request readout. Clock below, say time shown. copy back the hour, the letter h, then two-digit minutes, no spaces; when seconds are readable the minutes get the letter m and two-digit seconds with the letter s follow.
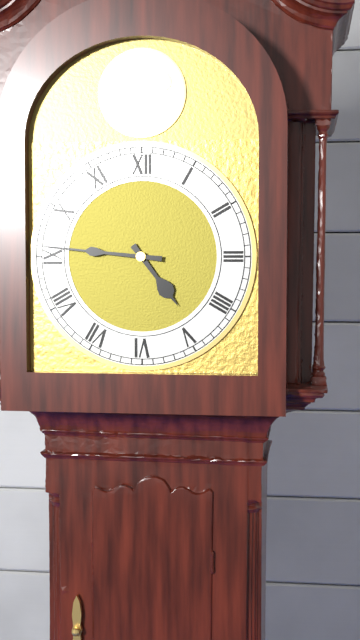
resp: 4h46
